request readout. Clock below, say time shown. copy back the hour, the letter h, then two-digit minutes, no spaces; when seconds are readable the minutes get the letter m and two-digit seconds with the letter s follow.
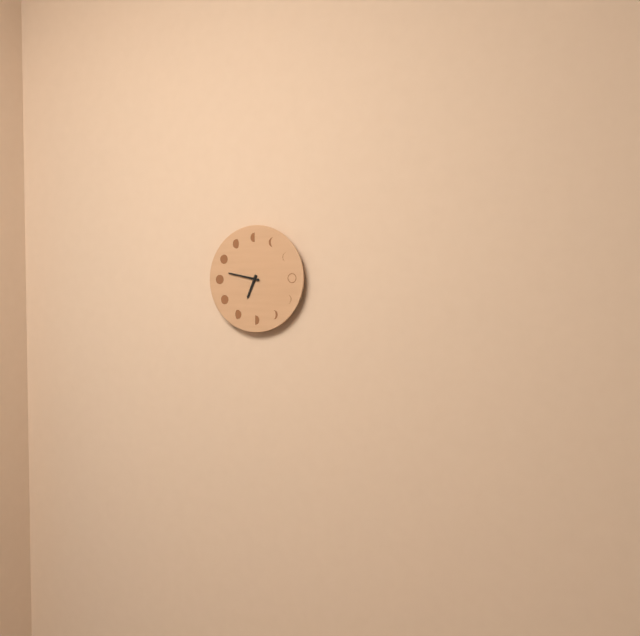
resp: 6h47
